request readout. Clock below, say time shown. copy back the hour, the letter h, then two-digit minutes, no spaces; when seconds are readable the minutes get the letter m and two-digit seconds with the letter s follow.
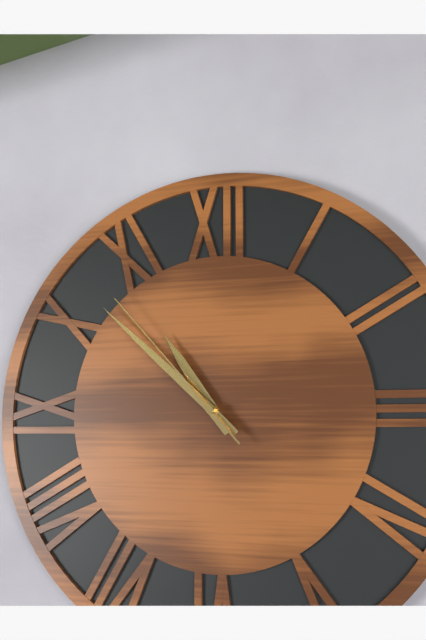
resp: 10h52m53s
